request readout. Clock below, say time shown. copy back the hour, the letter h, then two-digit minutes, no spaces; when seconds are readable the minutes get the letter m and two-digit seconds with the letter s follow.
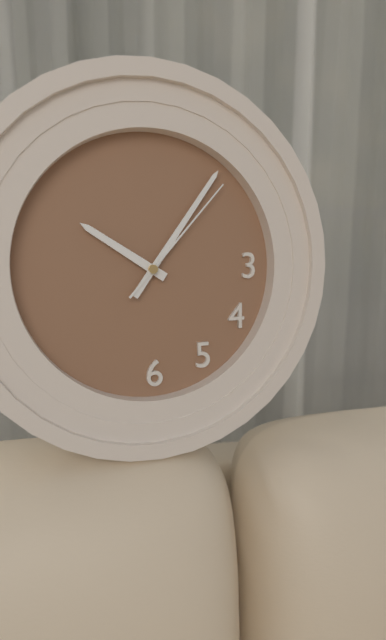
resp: 10h06m07s
